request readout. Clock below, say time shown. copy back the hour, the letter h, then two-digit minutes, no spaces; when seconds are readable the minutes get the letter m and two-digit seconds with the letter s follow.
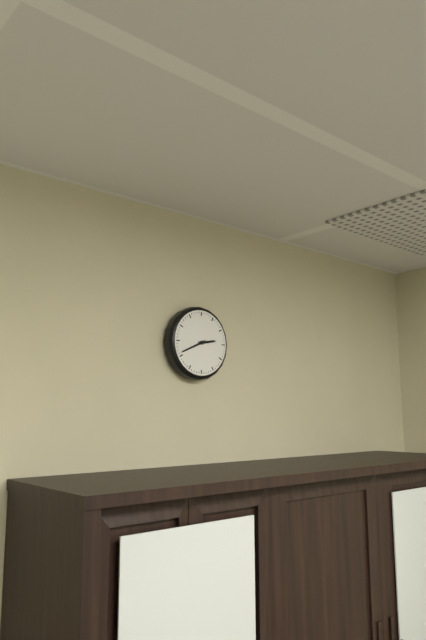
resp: 2h41
